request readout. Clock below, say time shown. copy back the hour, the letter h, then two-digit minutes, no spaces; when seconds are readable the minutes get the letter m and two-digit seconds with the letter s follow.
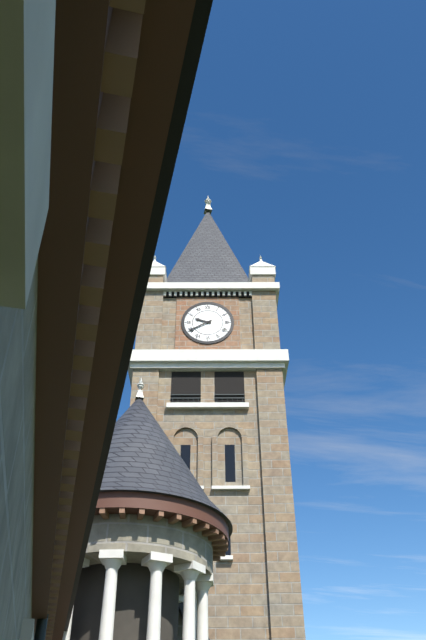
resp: 9h40
